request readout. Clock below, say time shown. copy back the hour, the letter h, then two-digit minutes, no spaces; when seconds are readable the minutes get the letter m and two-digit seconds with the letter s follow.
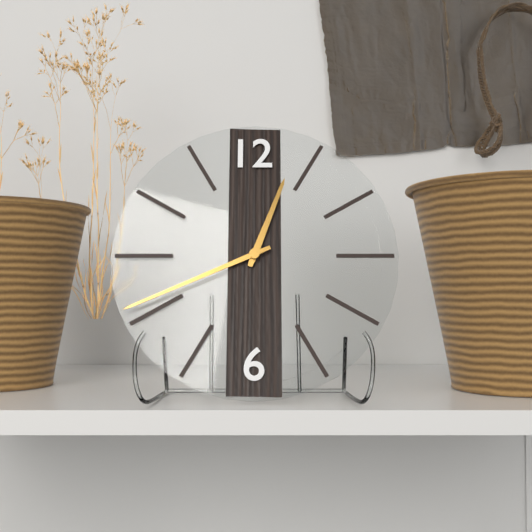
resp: 12h41
